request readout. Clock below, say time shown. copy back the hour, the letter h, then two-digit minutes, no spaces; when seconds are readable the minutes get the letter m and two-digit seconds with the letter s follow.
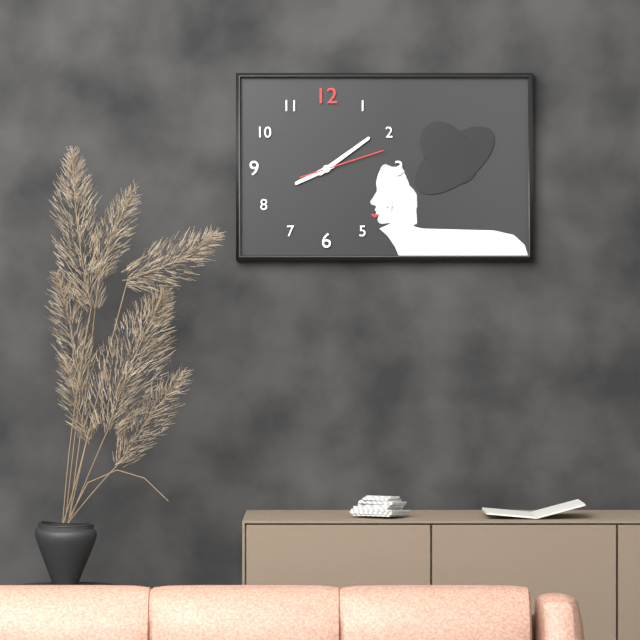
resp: 8h09m12s
